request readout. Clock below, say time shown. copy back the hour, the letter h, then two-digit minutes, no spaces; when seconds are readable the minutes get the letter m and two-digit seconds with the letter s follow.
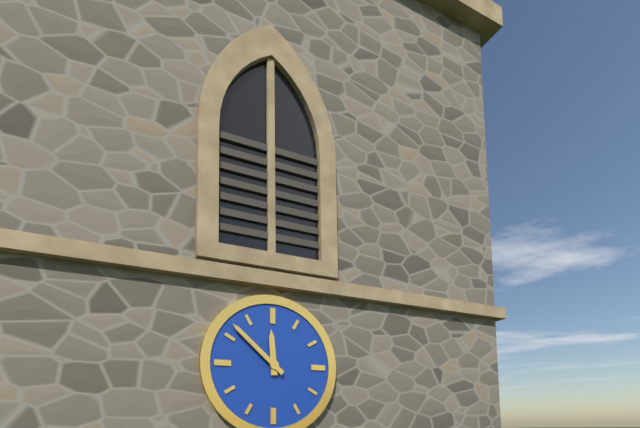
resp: 11h52
